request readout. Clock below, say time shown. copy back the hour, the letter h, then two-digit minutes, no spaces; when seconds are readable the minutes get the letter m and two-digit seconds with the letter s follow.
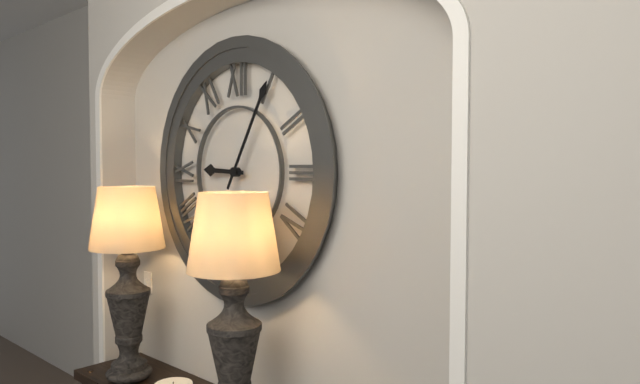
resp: 9h05
